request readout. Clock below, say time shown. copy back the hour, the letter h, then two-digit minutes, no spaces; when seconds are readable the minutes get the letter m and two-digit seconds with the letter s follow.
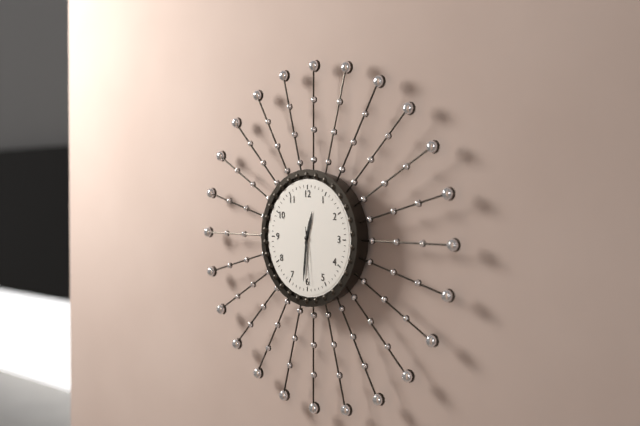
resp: 12h31m29s
